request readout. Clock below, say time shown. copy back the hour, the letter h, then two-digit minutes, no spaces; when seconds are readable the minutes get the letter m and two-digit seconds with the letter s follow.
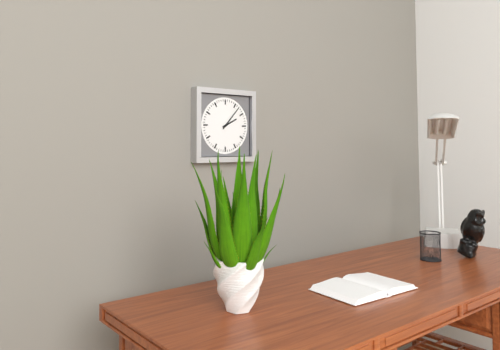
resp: 2h07
